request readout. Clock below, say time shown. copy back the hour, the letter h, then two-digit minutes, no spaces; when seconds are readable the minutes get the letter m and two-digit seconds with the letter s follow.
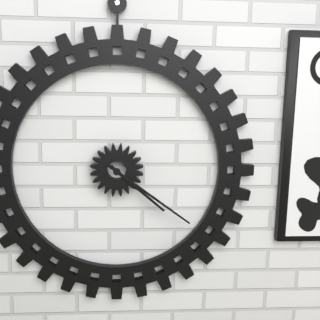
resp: 4h21
